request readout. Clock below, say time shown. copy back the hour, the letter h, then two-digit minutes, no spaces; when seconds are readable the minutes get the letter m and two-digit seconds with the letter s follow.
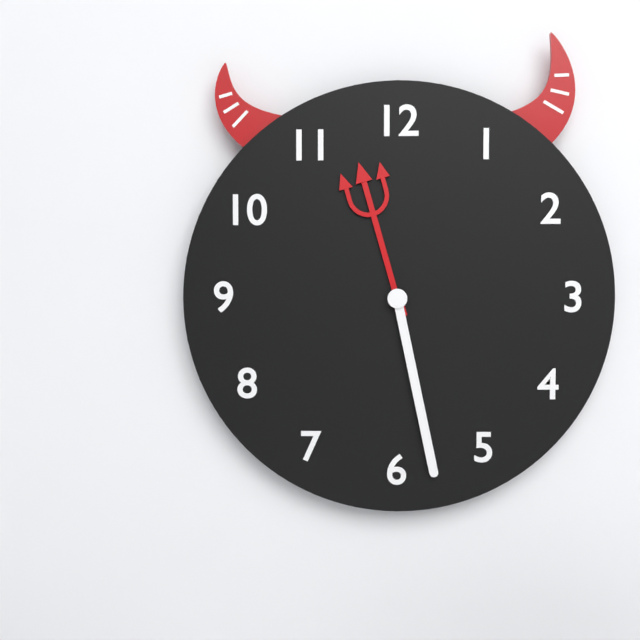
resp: 11h28
